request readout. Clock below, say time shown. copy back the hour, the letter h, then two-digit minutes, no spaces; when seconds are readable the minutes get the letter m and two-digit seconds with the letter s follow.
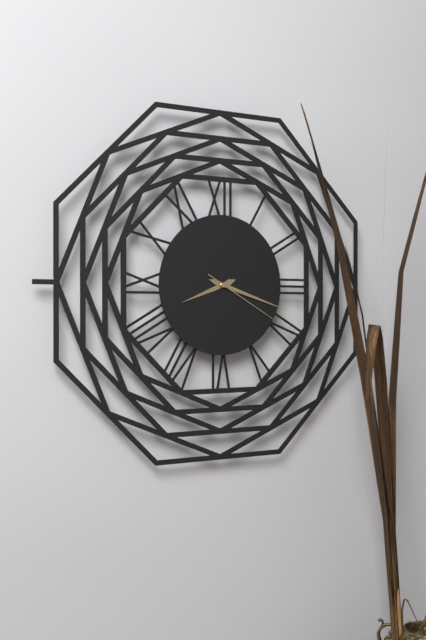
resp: 8h18m20s
